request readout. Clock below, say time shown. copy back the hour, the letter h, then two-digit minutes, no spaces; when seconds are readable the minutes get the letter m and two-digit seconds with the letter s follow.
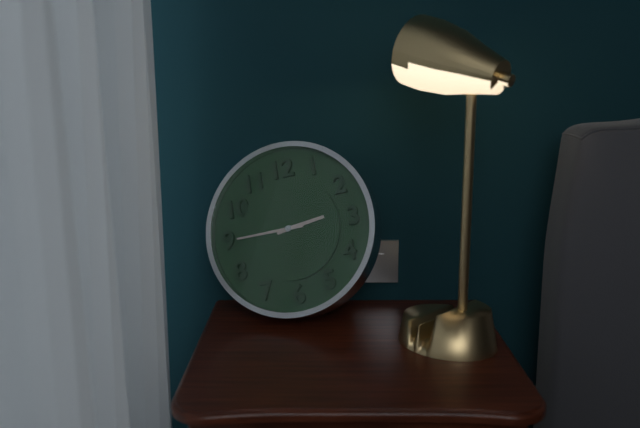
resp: 2h45
